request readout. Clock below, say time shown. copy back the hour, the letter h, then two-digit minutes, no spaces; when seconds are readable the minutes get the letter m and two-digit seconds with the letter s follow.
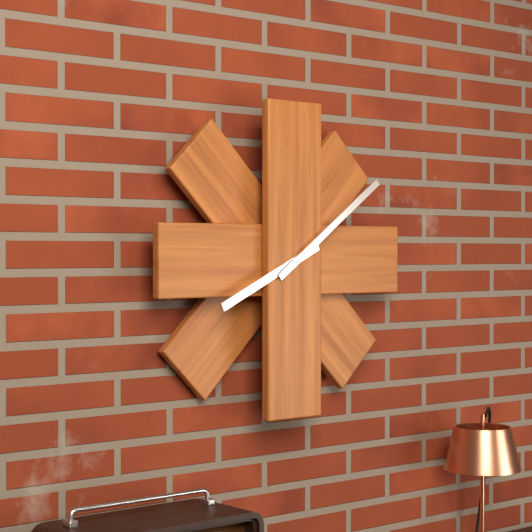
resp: 8h09
